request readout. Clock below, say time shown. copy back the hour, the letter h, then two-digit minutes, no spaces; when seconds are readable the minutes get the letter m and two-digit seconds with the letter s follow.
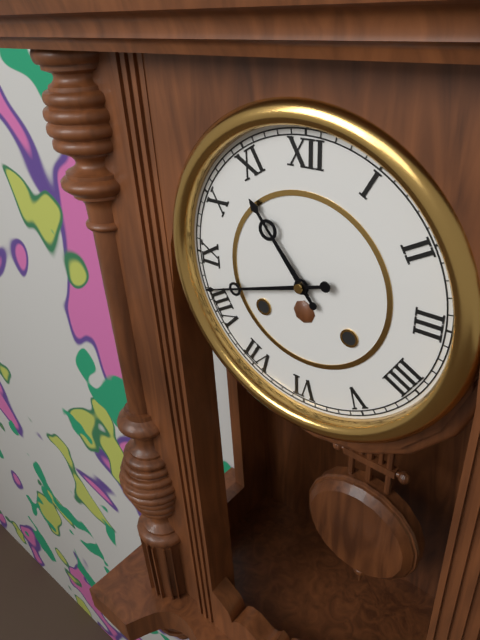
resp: 10h42
